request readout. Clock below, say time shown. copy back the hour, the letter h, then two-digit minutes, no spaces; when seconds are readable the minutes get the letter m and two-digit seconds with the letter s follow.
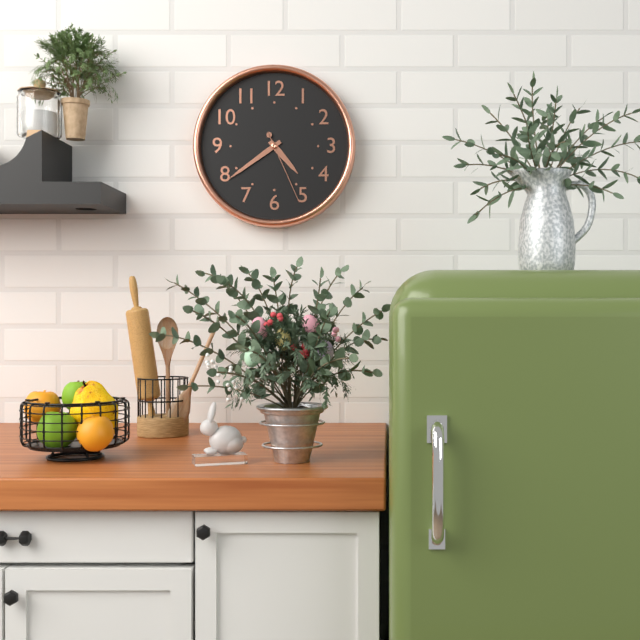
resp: 4h39m26s
